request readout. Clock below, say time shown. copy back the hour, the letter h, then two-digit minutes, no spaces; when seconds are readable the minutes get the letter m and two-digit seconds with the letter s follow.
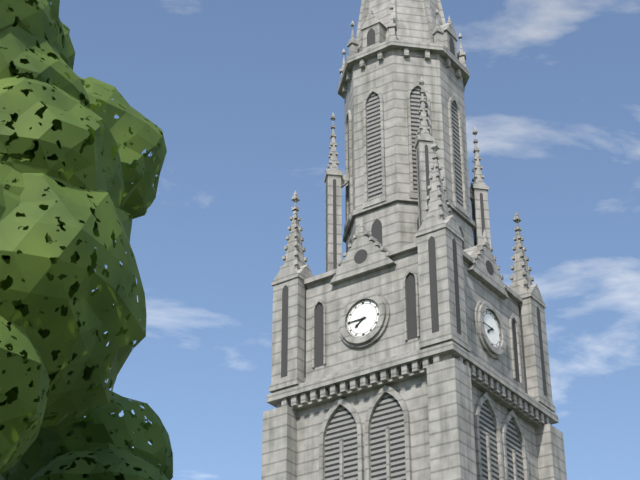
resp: 7h45
